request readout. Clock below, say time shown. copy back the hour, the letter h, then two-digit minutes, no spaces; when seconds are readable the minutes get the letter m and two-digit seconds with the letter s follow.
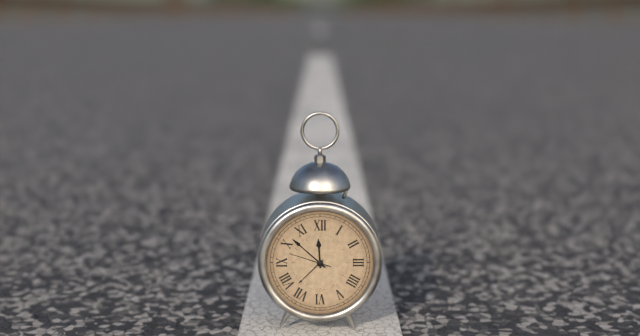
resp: 11h52
